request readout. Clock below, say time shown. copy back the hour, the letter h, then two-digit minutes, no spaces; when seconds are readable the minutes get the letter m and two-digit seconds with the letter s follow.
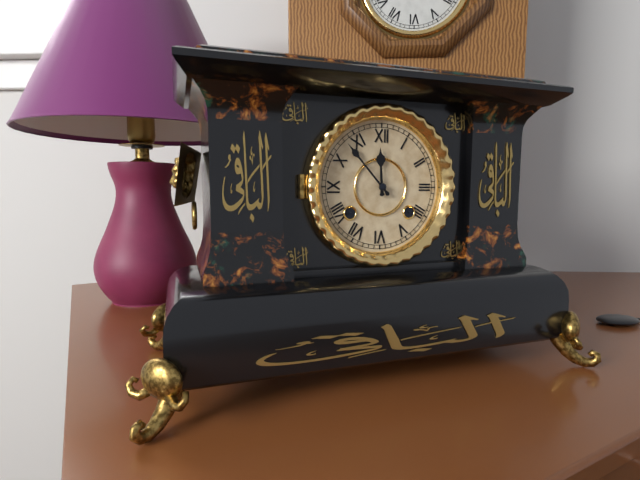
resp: 11h53
